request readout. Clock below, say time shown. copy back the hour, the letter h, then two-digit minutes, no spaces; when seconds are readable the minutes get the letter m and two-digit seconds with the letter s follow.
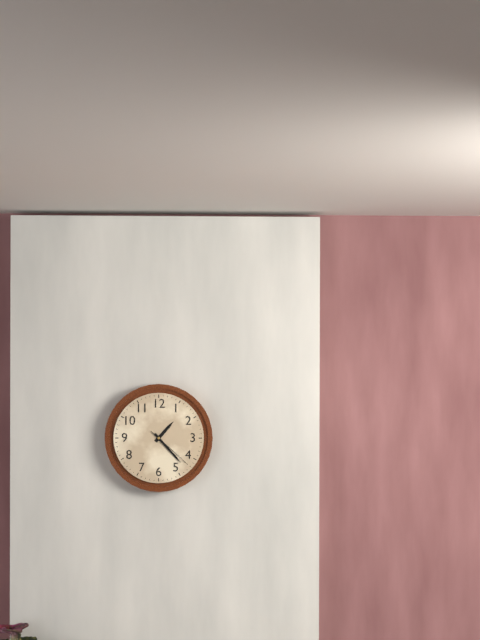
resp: 1h23
